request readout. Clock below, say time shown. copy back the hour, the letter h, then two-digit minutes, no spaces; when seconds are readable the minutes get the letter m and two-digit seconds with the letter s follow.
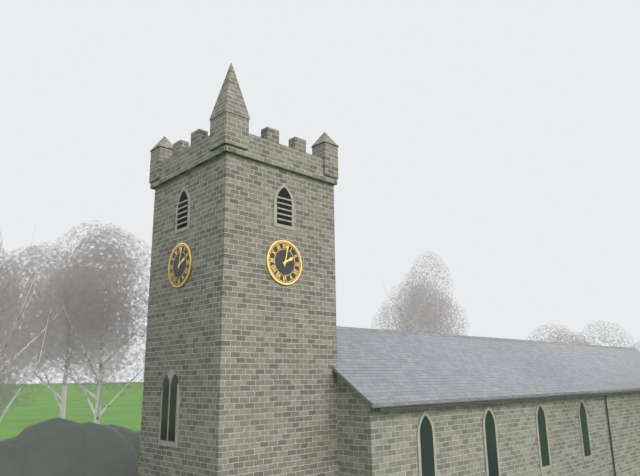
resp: 2h02
